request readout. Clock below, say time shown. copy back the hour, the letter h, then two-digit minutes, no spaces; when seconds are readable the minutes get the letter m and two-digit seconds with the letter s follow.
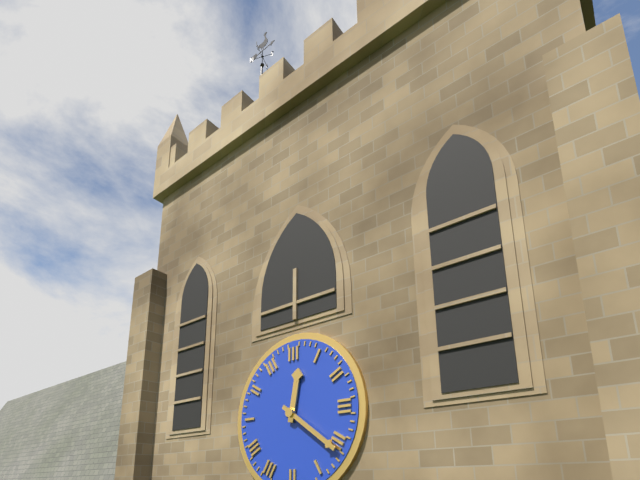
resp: 12h21
